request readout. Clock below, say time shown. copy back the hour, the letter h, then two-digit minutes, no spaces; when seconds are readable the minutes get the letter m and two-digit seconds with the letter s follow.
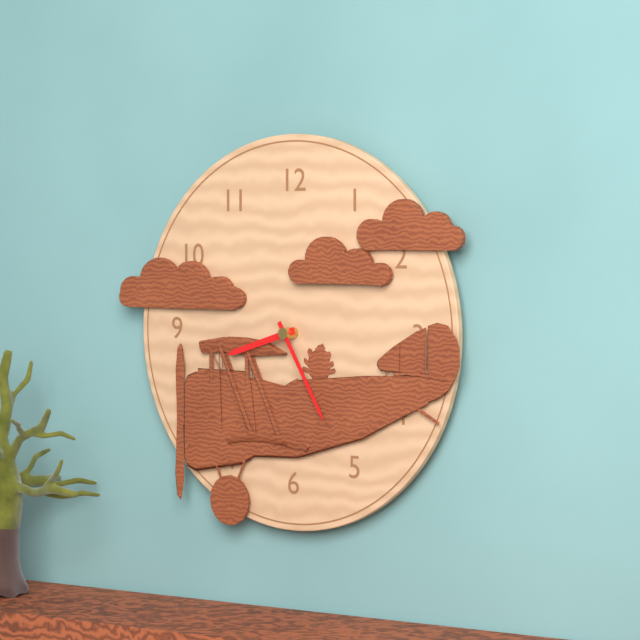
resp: 8h25
